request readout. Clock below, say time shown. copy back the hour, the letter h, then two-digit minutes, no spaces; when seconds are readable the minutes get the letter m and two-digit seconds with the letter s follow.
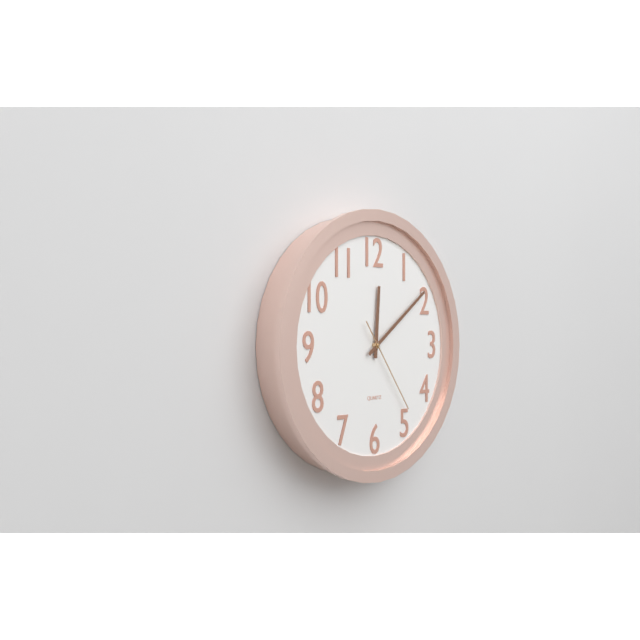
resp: 12h09m24s
